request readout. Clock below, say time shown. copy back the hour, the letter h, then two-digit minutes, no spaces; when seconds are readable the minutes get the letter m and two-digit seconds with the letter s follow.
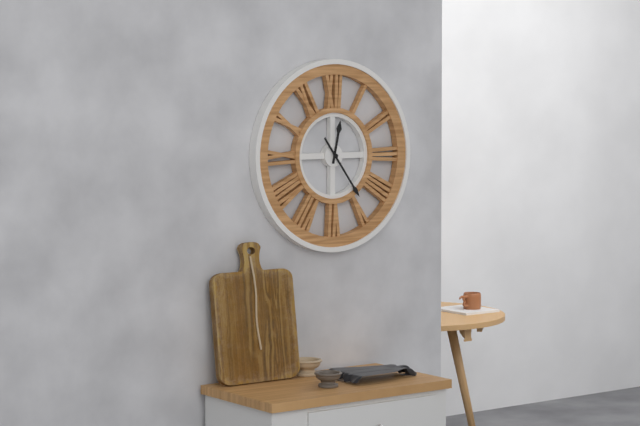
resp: 12h24
